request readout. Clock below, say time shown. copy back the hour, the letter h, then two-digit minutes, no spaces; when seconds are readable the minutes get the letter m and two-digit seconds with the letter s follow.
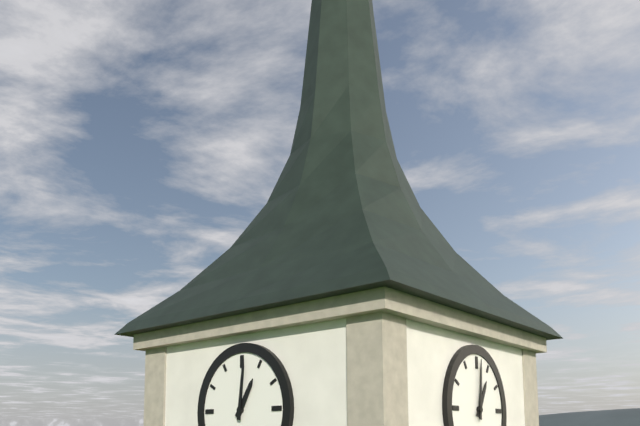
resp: 1h01
